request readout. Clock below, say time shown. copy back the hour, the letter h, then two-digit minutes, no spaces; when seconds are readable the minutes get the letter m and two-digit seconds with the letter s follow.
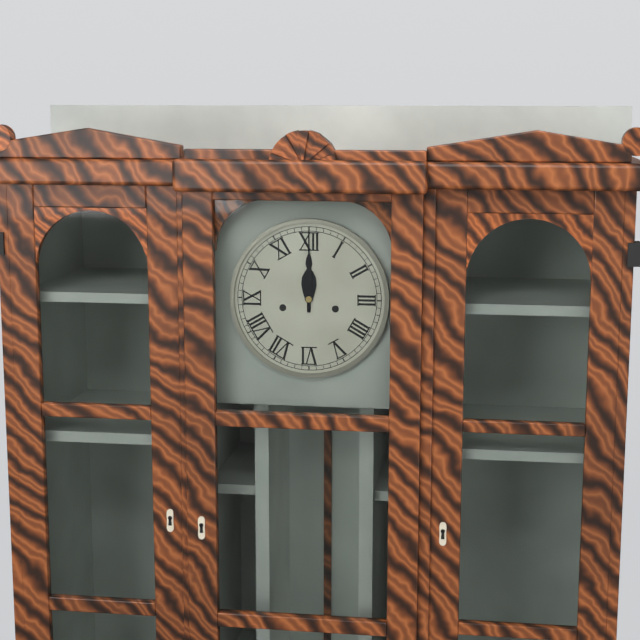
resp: 12h00
